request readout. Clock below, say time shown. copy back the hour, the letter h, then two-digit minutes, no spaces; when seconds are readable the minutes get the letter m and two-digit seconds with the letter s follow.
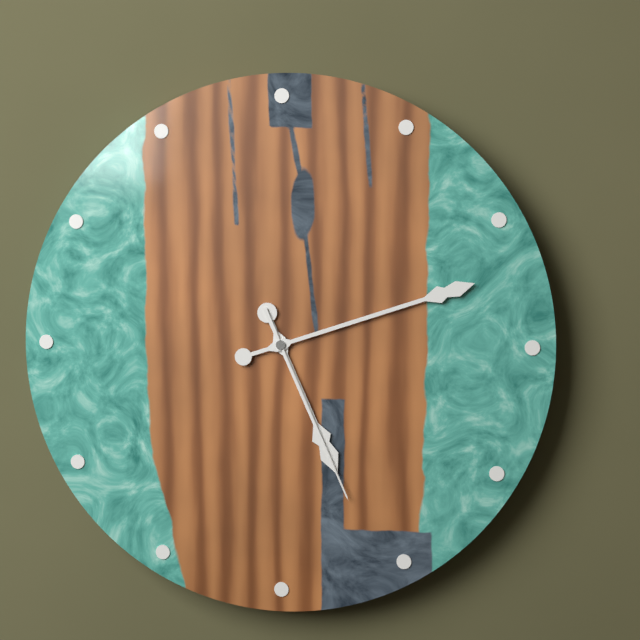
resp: 5h12m26s
